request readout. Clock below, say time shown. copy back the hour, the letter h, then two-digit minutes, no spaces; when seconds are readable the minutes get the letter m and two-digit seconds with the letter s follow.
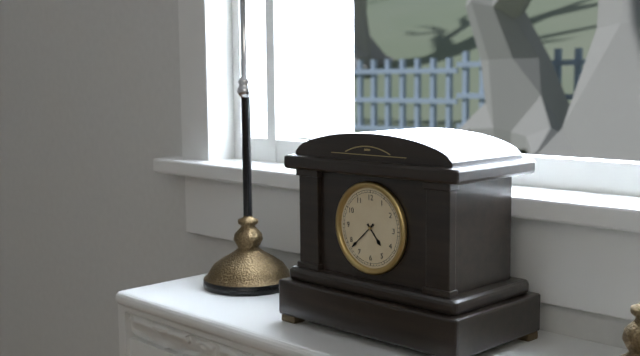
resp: 4h38
